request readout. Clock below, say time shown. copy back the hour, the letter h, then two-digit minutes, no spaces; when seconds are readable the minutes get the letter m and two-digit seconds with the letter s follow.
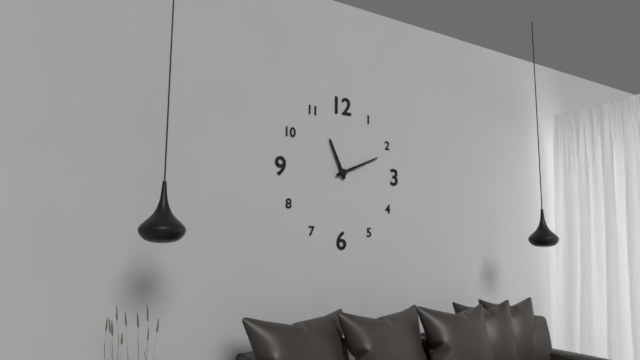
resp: 11h11
